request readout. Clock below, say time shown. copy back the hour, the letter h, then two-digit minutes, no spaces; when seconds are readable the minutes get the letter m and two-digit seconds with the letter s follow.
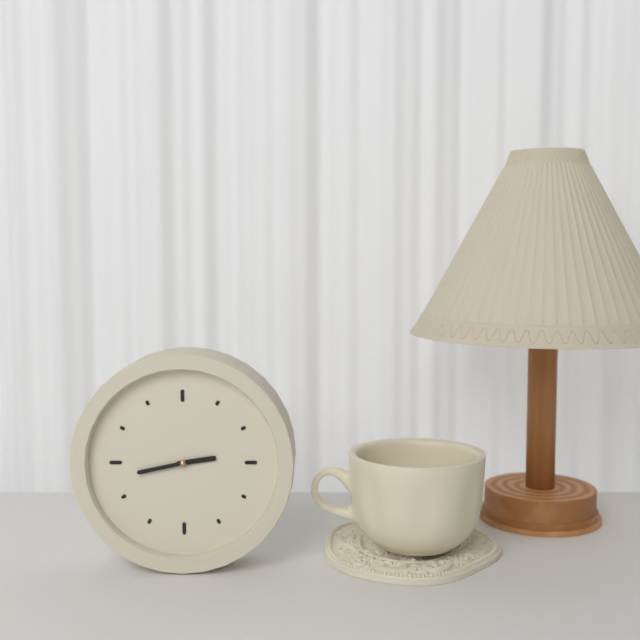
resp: 2h43
